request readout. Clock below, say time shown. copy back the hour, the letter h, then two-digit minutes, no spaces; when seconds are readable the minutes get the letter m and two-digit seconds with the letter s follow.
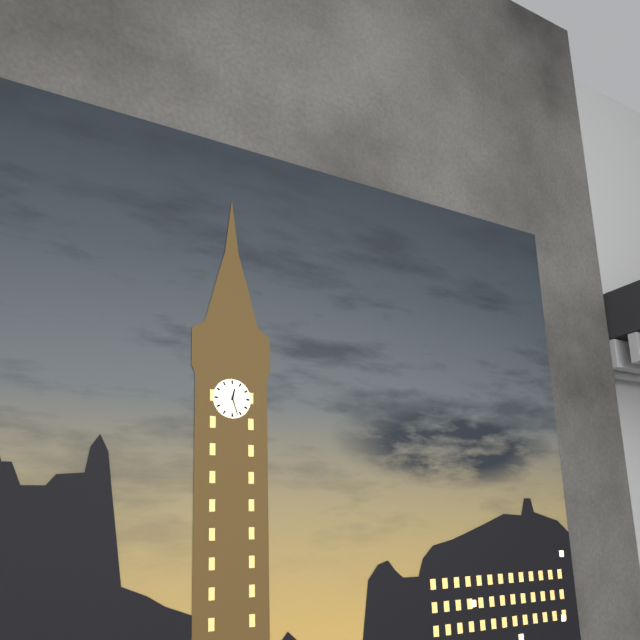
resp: 12h27
